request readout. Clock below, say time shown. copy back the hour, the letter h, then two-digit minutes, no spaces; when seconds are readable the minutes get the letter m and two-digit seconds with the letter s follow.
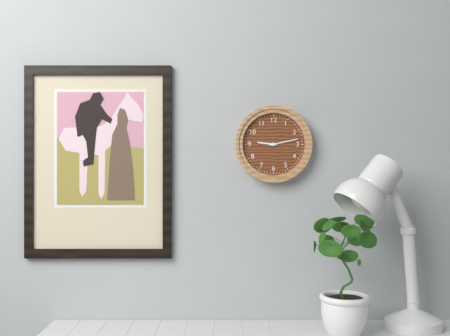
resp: 9h13
